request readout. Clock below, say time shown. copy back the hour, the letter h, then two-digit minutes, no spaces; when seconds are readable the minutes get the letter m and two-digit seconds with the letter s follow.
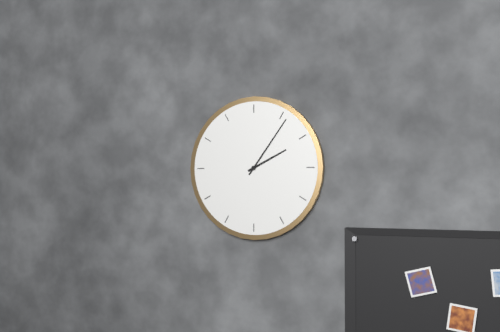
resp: 2h06
